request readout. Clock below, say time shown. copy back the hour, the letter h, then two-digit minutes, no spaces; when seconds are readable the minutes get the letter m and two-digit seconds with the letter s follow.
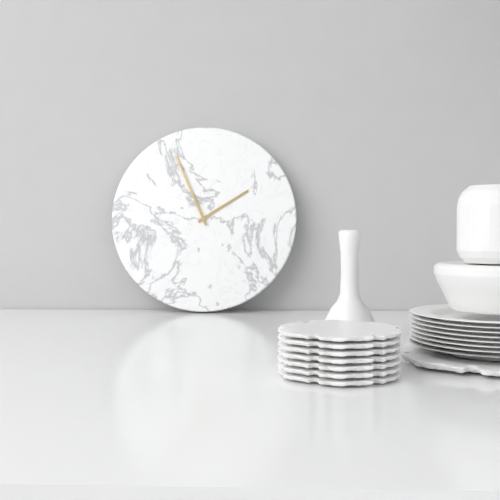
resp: 1h56
